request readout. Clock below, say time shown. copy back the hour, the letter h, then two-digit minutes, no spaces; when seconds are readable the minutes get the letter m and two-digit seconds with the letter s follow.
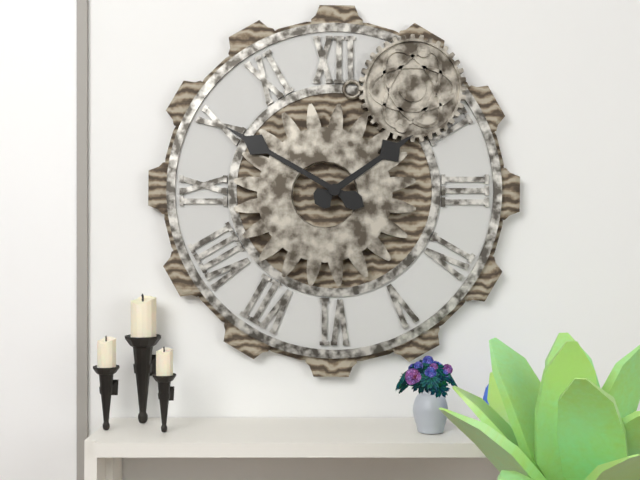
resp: 1h50
